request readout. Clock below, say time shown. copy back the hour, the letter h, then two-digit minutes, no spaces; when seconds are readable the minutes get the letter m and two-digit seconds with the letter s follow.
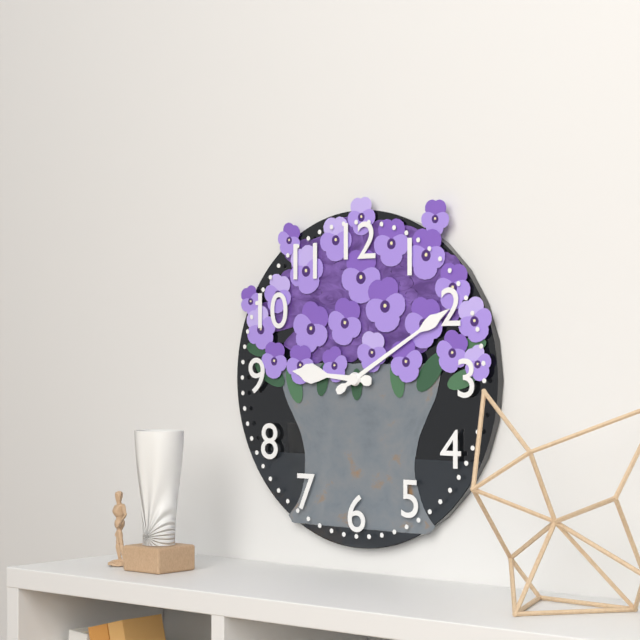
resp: 9h10
